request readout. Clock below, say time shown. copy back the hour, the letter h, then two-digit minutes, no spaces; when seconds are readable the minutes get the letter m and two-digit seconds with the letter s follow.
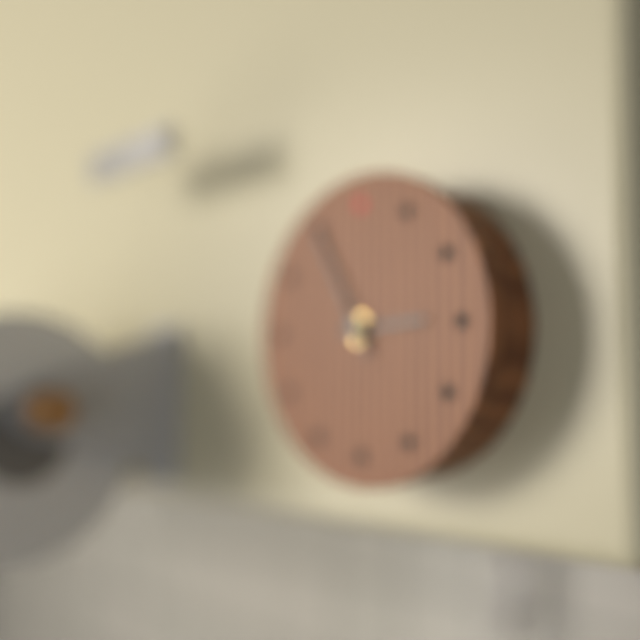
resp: 2h55
